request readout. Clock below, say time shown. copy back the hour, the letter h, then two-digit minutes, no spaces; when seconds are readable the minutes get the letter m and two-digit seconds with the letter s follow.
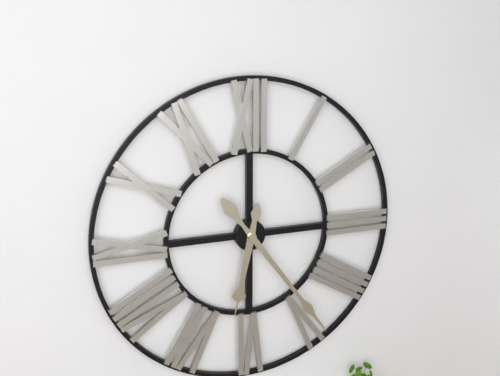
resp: 6h24
